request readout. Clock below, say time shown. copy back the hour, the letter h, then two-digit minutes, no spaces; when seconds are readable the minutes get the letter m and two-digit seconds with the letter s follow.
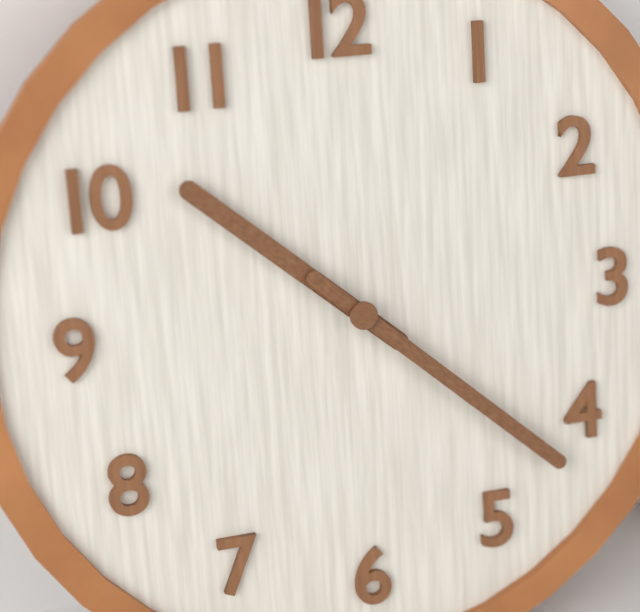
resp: 10h22
